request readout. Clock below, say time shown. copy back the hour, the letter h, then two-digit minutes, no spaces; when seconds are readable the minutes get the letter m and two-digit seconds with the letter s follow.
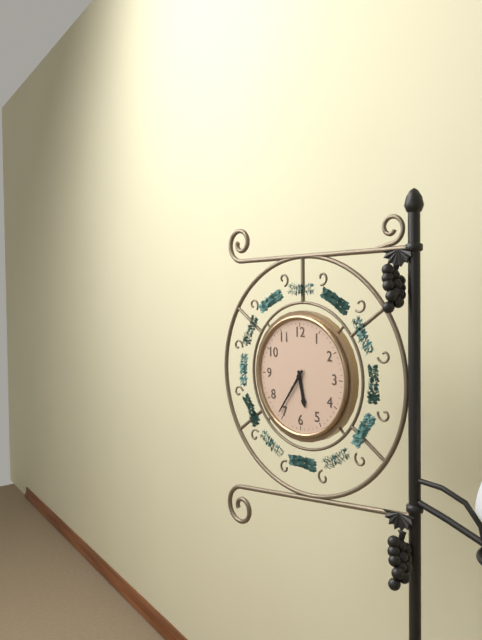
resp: 5h36
